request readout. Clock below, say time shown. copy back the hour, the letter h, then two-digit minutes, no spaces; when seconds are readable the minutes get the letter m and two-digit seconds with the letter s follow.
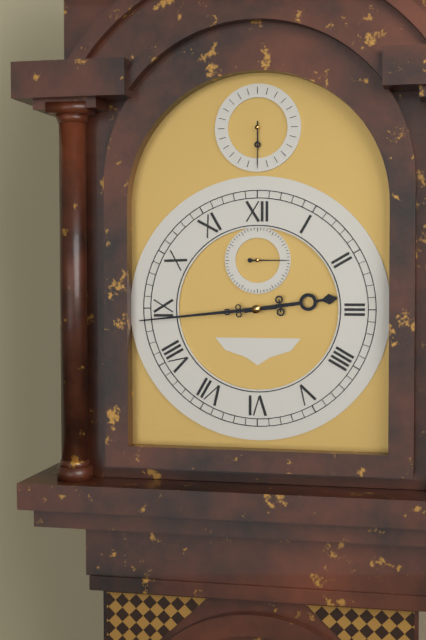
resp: 2h44
